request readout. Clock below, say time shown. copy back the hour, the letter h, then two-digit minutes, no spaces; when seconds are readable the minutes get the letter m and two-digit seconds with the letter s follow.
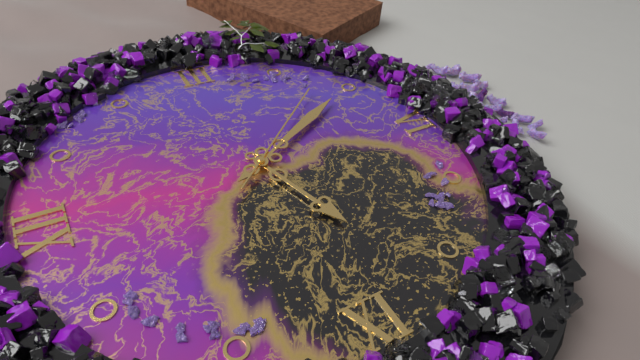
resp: 8h25m23s
